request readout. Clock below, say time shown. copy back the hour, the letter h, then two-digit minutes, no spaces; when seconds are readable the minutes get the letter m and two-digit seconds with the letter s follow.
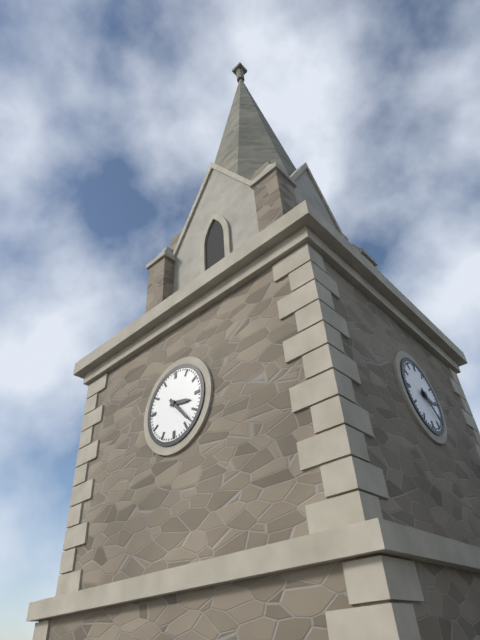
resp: 3h23
